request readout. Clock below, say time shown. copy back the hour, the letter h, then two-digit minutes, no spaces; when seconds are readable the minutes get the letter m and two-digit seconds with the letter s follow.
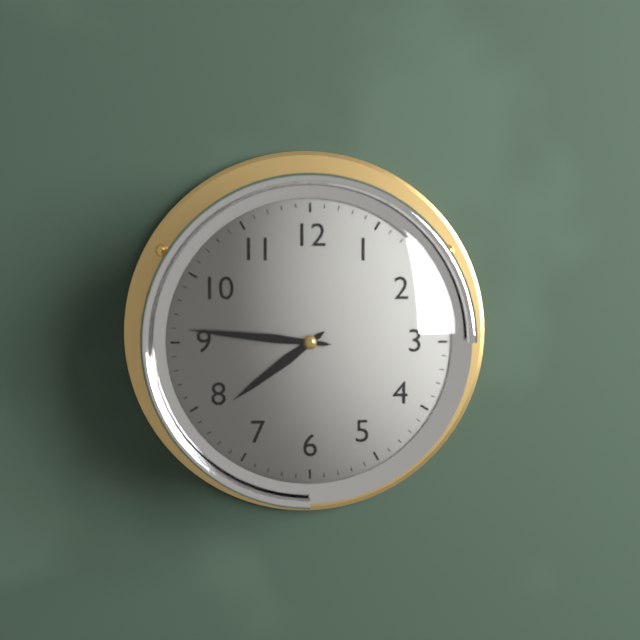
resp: 7h46
